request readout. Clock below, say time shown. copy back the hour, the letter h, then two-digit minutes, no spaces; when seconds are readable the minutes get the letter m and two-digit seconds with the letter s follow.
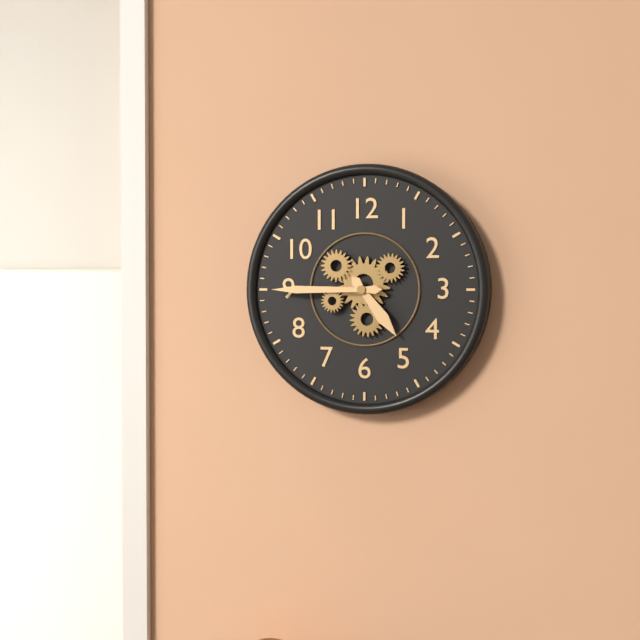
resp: 4h45
